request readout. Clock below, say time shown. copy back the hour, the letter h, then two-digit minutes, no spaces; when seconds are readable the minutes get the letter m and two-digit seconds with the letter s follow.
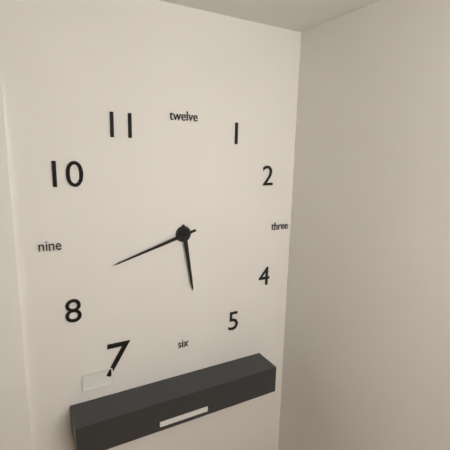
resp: 5h42
